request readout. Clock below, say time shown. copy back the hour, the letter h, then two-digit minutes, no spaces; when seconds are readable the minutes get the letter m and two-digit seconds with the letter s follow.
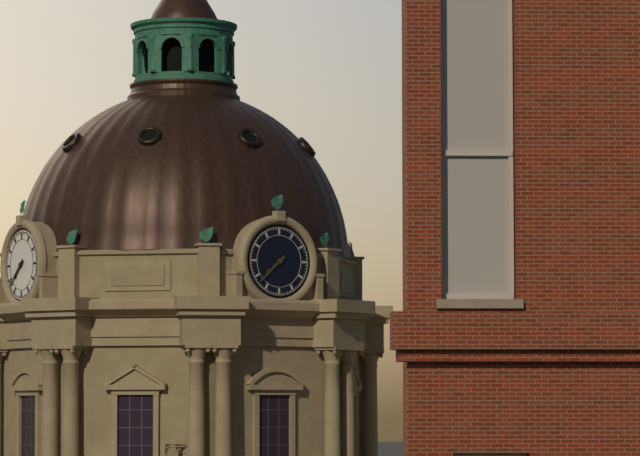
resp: 7h38
